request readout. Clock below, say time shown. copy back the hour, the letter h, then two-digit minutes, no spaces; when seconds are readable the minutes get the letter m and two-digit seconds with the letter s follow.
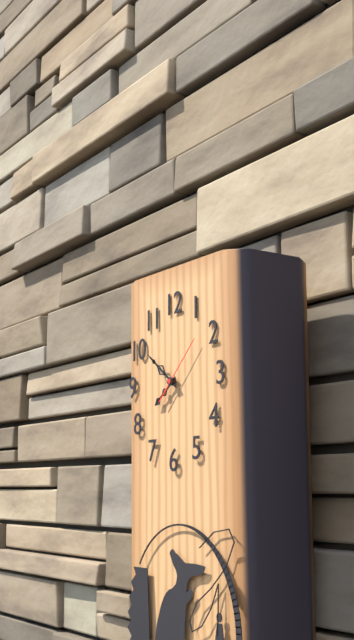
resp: 7h51m08s
